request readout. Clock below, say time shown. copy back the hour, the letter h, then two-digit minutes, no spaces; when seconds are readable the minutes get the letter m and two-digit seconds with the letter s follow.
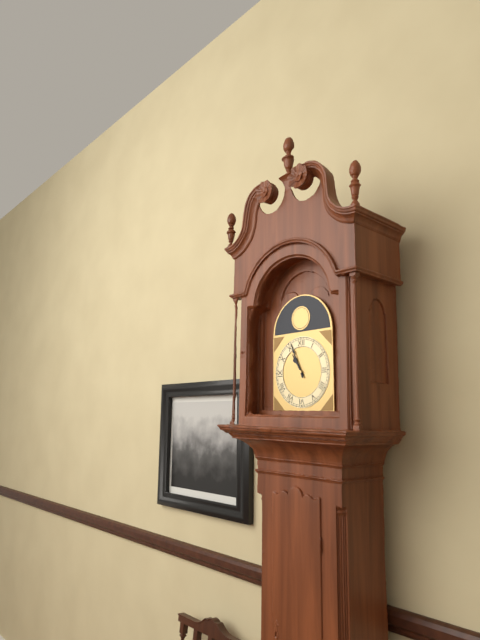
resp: 10h56
